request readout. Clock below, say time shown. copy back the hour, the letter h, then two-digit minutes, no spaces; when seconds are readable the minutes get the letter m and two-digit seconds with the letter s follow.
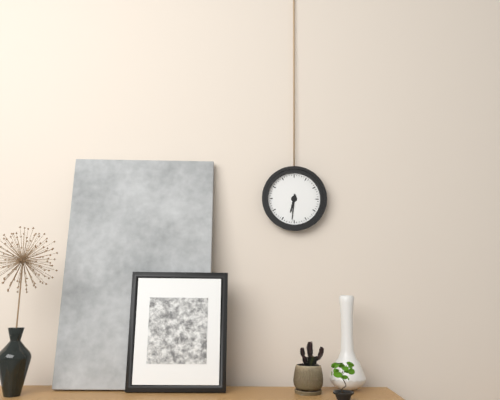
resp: 6h31
